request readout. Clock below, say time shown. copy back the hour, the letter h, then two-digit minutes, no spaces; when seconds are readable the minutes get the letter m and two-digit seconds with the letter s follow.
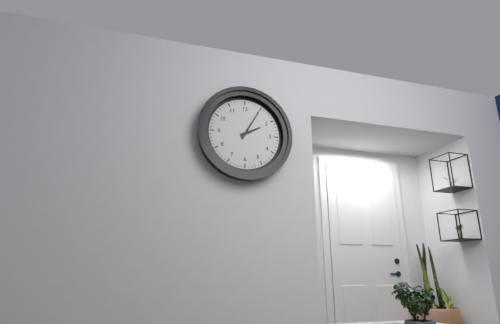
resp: 2h05
